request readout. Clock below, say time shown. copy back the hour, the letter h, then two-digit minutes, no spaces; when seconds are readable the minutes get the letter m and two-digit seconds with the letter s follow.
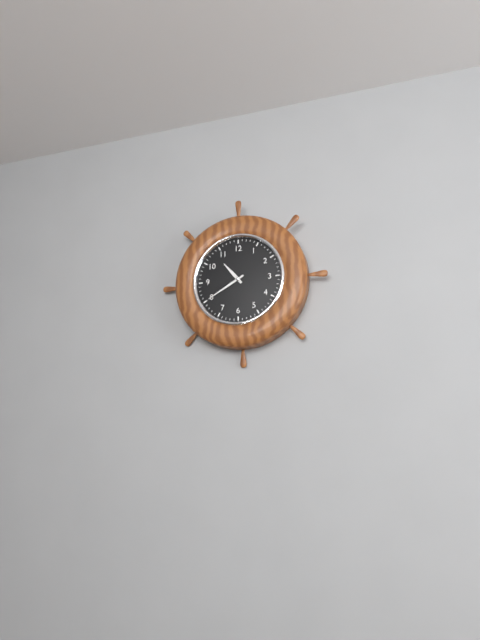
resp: 10h40
